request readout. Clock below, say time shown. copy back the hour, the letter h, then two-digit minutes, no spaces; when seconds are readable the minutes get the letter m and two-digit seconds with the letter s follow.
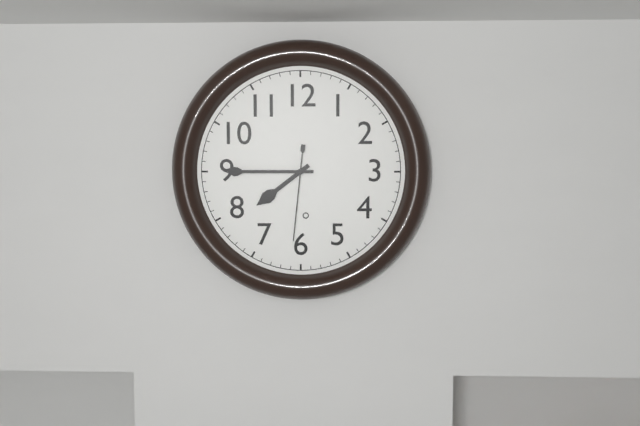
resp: 7h45m31s
